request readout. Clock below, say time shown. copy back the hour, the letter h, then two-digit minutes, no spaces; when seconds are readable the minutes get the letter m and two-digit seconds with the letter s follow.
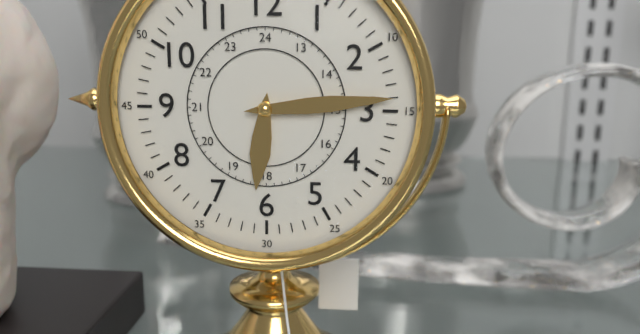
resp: 6h14
